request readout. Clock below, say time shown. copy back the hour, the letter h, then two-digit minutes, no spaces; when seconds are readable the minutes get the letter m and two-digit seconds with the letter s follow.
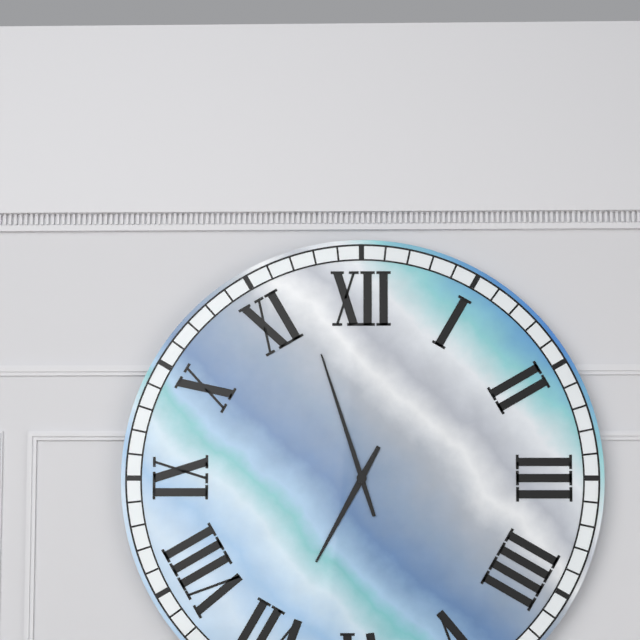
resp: 6h57
